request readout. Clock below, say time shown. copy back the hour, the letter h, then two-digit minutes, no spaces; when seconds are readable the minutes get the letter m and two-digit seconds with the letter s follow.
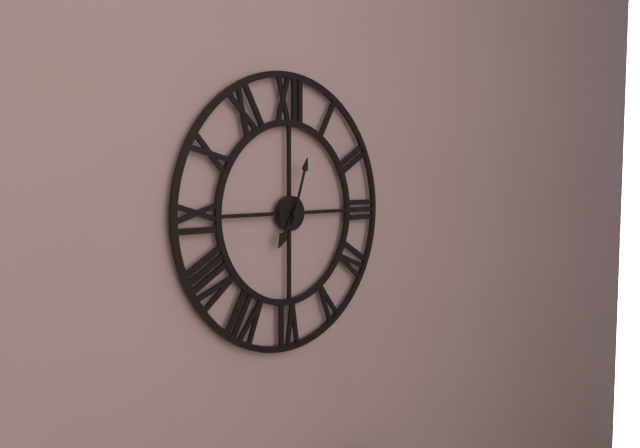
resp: 7h03
